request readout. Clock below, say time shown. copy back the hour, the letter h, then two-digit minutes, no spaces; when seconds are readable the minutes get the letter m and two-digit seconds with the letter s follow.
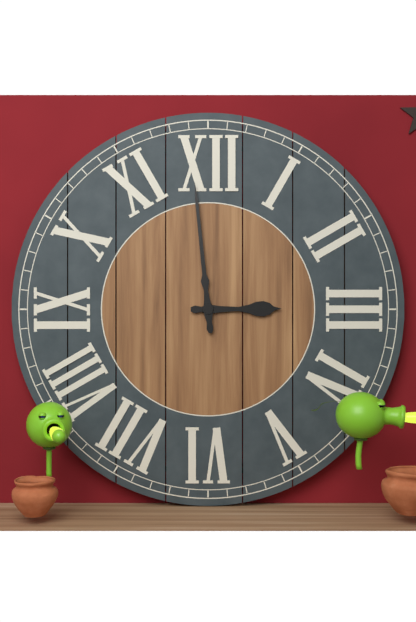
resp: 2h59
